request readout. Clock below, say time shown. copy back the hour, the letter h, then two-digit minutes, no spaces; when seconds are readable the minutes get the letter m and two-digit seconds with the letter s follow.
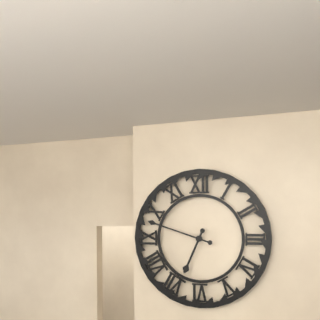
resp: 6h48
